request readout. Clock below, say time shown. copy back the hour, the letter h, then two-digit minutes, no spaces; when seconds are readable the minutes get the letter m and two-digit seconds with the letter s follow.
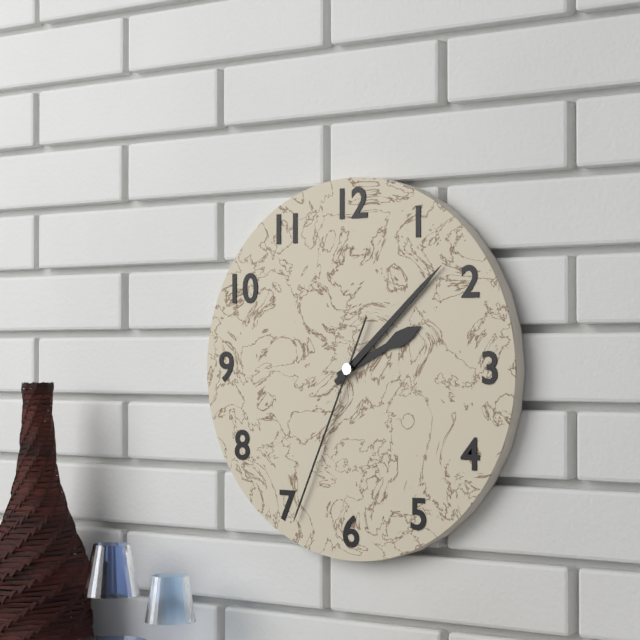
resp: 2h08m34s
